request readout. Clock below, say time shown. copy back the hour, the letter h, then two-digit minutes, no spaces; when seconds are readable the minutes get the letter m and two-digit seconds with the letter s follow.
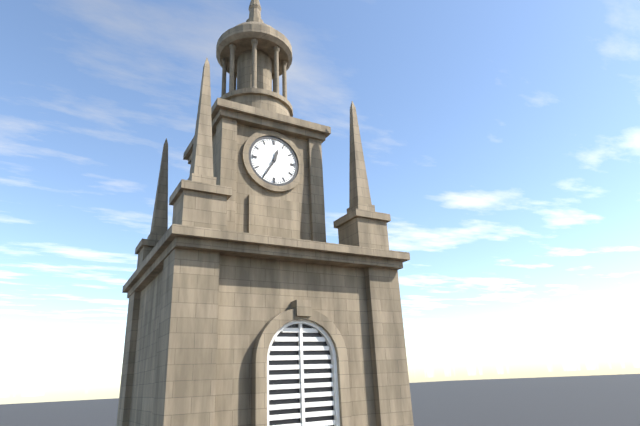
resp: 12h35
